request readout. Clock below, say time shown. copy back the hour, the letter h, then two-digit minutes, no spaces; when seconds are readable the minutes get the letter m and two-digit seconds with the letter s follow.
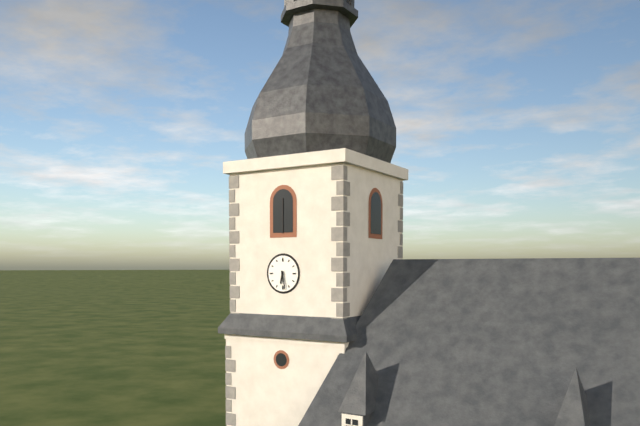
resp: 6h28
